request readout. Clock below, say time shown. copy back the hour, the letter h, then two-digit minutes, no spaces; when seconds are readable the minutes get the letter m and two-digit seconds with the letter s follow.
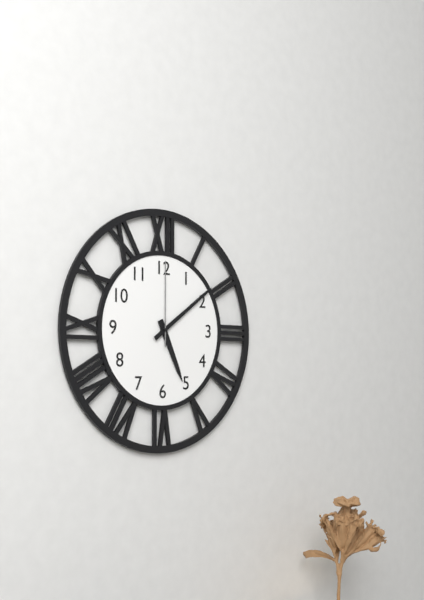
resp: 5h09m00s
